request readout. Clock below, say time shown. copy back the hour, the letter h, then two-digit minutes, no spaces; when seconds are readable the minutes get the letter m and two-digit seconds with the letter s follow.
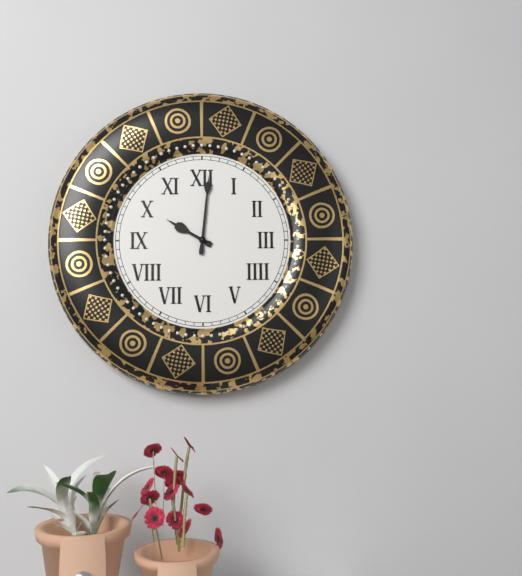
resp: 10h01
